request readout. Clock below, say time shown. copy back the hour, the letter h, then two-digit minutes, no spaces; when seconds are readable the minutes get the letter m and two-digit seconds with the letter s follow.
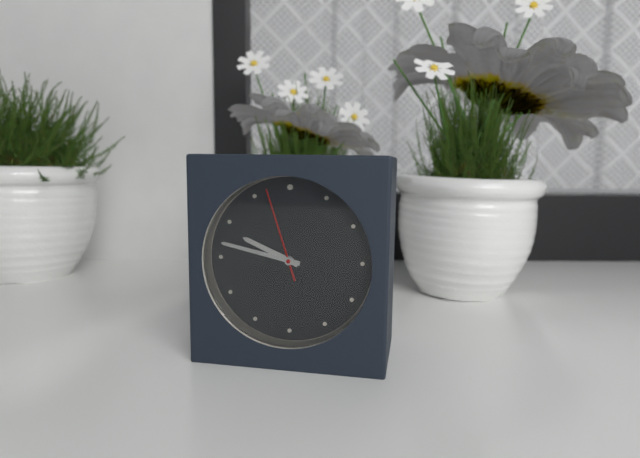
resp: 9h47m57s
